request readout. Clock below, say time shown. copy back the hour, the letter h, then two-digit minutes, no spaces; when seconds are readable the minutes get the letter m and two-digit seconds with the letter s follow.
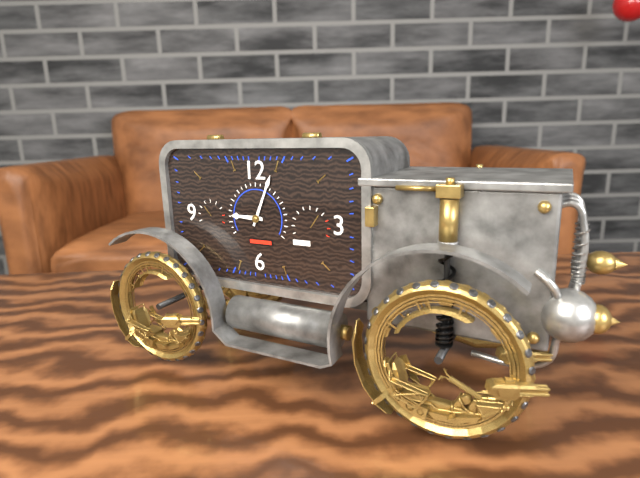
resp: 9h04
